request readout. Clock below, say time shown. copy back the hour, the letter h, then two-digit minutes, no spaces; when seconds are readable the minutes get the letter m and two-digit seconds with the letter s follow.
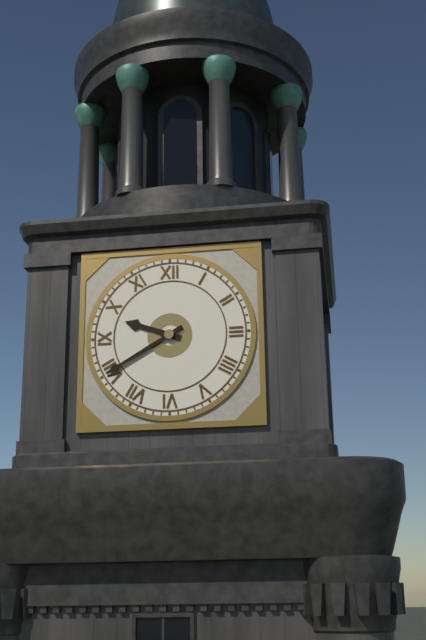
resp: 9h40
